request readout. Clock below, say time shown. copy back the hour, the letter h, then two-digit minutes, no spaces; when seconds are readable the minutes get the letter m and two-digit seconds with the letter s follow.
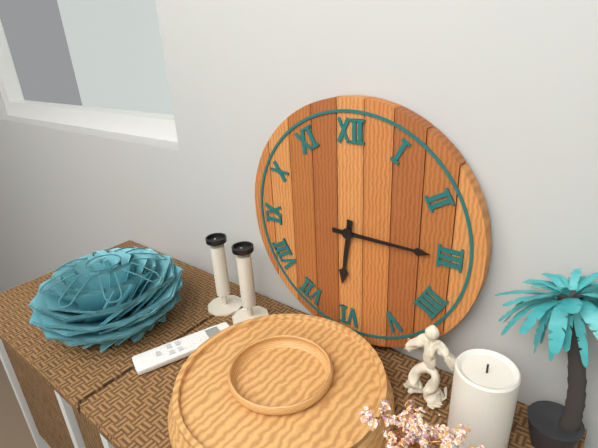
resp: 6h15
